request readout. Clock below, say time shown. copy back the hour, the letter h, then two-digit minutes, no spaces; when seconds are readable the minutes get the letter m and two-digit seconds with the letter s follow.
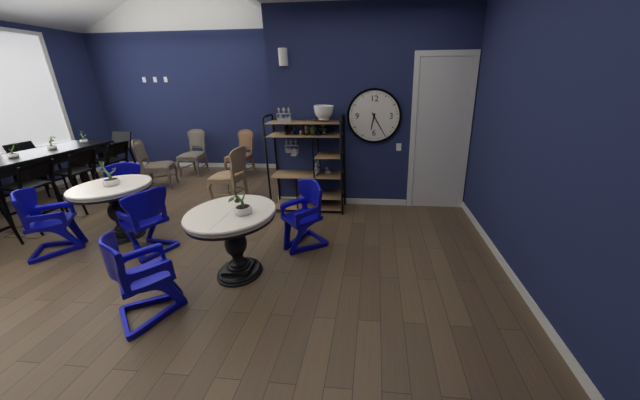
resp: 6h25
